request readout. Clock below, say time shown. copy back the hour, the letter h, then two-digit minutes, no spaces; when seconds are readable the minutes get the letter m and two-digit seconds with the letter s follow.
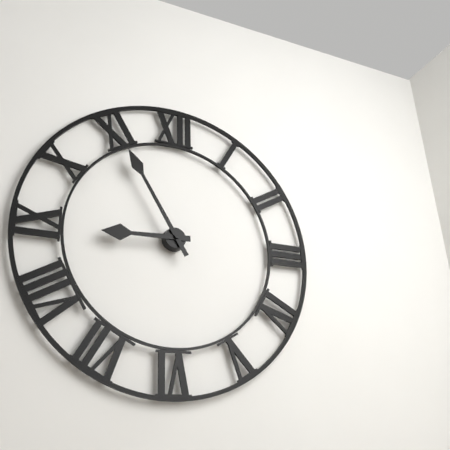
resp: 8h55
